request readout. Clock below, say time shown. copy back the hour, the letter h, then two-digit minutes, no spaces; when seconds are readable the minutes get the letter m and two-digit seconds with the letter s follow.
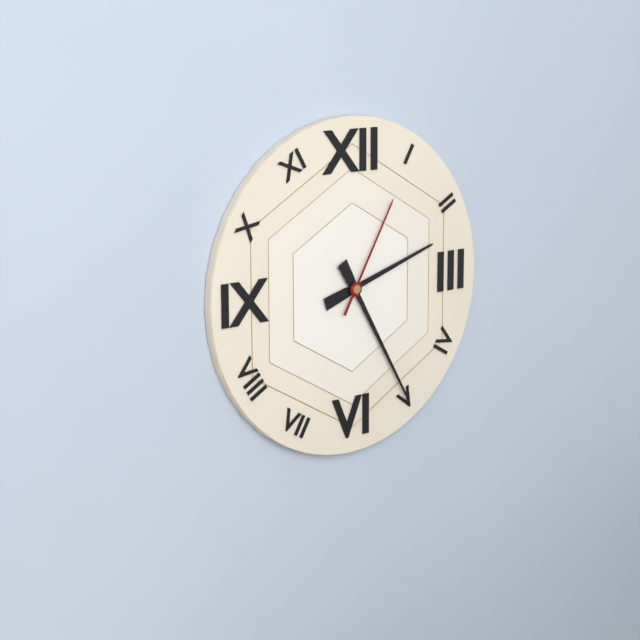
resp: 2h25m05s
